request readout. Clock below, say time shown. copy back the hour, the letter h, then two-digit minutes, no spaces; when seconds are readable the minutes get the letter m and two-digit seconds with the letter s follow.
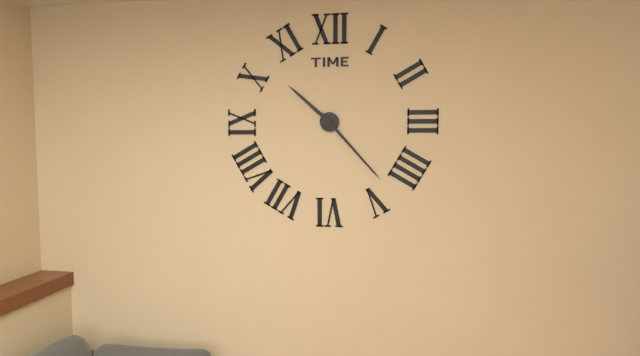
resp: 10h23
